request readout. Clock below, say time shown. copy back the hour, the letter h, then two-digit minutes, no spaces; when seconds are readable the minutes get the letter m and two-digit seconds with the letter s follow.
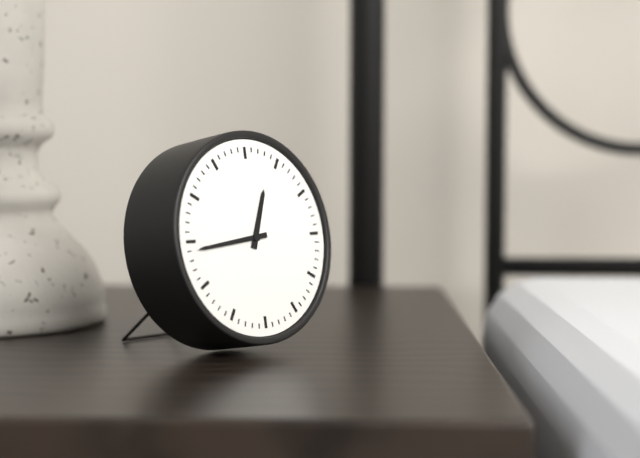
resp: 12h44
